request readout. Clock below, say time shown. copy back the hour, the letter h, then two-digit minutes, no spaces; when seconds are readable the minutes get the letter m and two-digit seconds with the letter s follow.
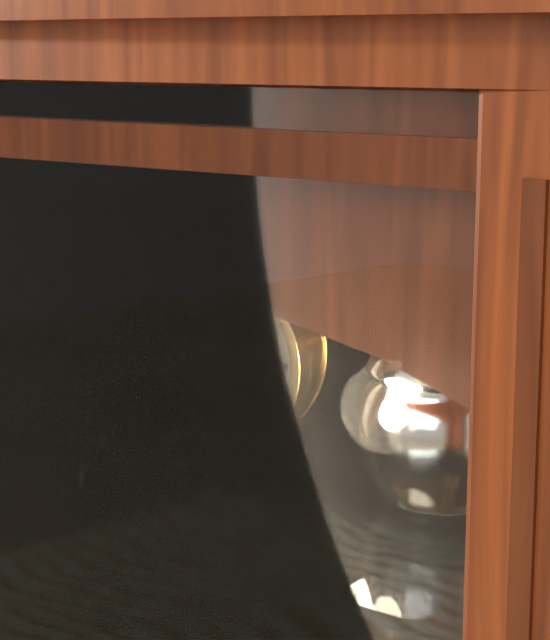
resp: 10h10
